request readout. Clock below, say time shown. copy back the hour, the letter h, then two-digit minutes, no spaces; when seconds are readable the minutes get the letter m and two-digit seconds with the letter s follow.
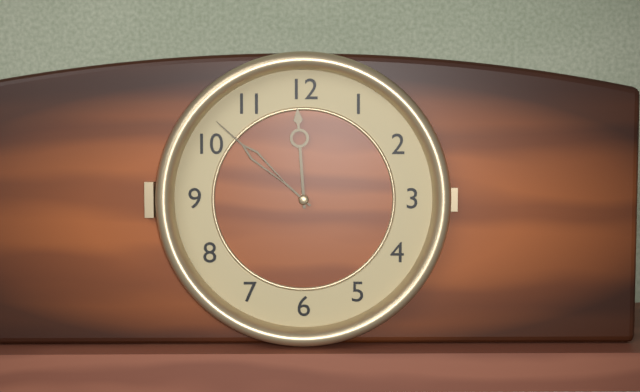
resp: 11h52
